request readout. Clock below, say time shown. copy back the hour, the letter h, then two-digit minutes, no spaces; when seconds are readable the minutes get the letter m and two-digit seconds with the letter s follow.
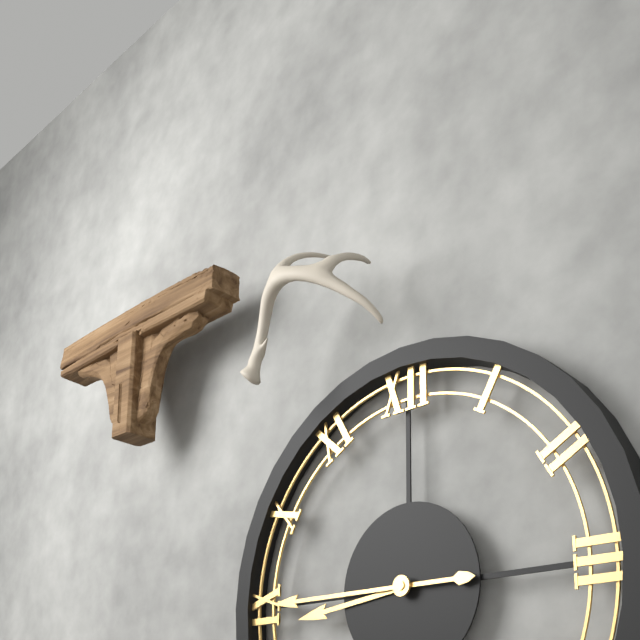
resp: 8h45
